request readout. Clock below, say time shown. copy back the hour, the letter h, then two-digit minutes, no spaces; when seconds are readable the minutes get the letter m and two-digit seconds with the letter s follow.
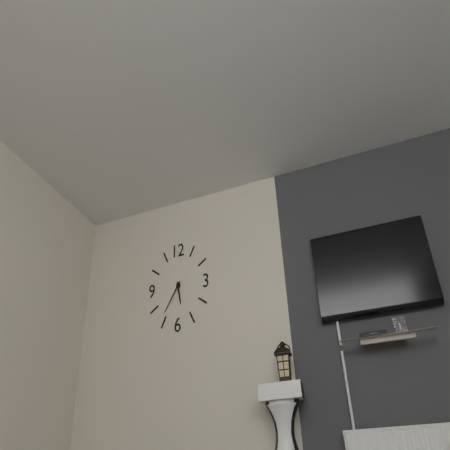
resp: 5h36
